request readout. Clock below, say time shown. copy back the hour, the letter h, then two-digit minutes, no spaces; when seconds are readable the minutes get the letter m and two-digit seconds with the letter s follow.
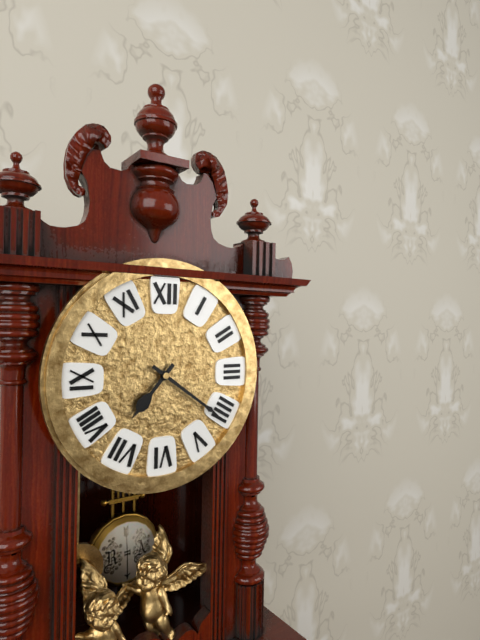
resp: 7h21
